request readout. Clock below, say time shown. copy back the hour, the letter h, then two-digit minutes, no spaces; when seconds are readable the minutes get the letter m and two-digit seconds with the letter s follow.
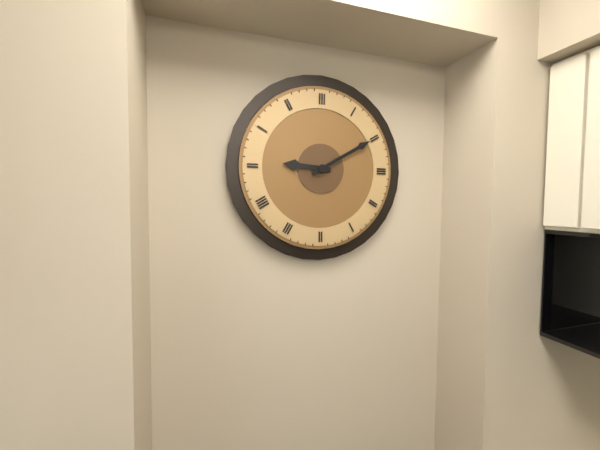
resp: 9h10
